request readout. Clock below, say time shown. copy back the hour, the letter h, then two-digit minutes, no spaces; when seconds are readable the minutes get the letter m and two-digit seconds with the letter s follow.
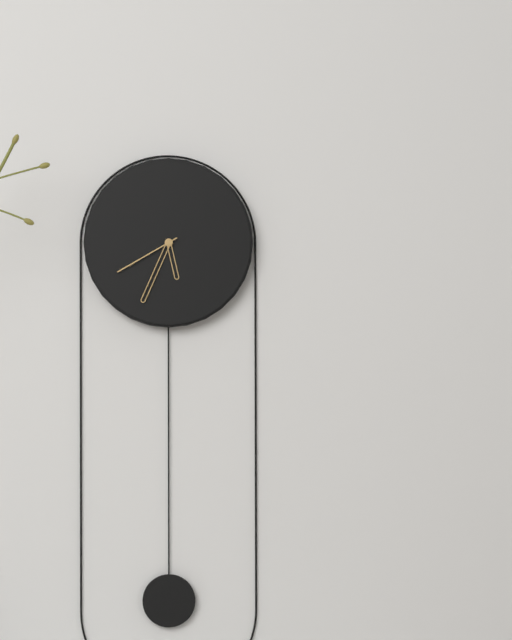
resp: 5h34m40s
